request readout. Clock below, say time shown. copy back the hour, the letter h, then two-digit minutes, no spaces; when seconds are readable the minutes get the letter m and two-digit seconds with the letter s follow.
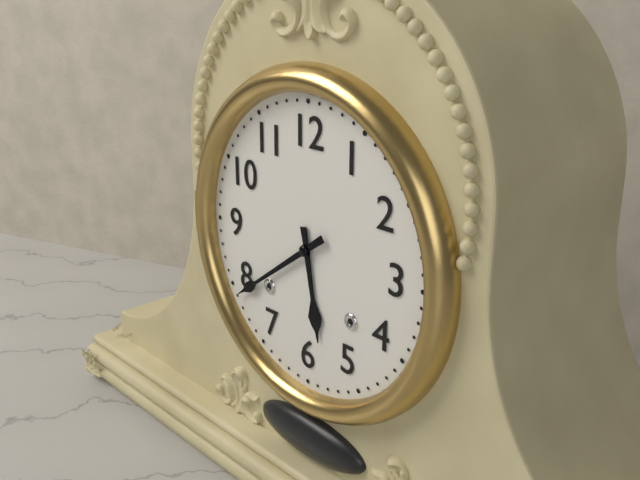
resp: 5h39
